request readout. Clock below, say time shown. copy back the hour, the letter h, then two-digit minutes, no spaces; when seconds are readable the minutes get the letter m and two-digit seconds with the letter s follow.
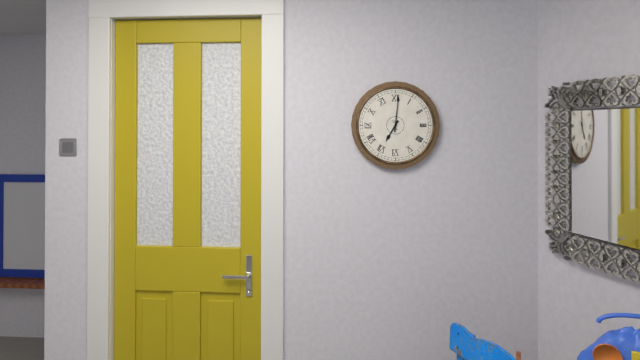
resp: 7h01
